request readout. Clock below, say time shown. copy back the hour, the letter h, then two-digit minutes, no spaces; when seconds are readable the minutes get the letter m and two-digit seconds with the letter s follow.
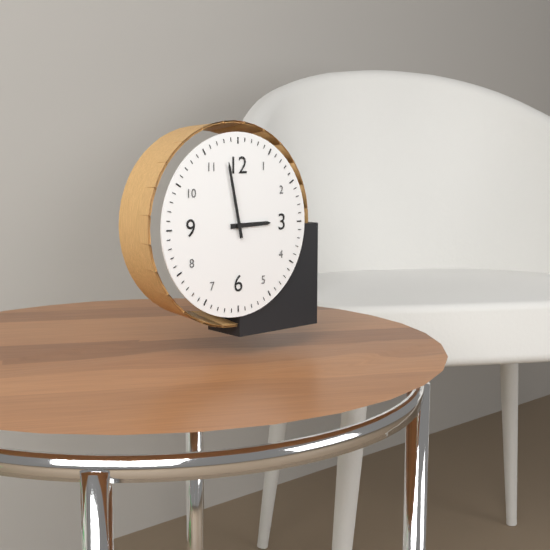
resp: 2h58
